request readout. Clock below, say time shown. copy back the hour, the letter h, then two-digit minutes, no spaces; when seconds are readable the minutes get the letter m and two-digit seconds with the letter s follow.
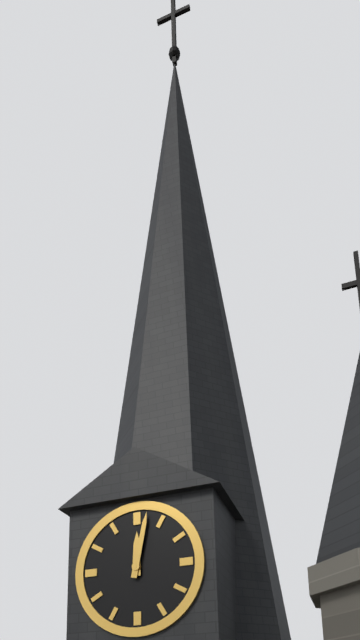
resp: 12h02
